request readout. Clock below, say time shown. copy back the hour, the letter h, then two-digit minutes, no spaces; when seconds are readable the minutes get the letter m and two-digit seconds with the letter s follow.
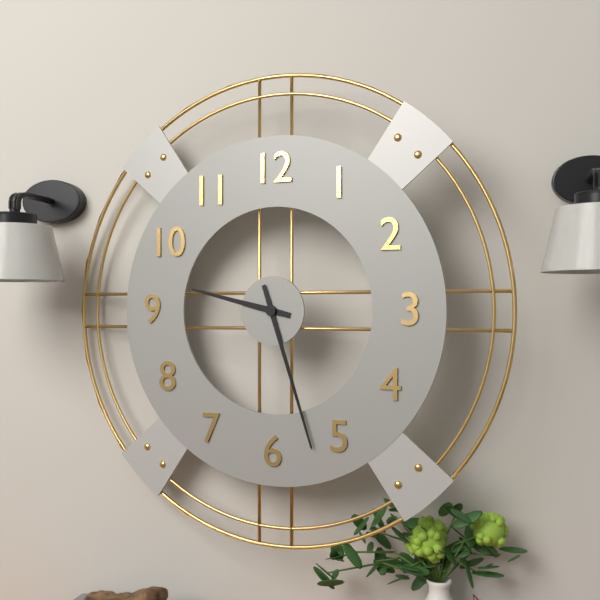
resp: 9h27
